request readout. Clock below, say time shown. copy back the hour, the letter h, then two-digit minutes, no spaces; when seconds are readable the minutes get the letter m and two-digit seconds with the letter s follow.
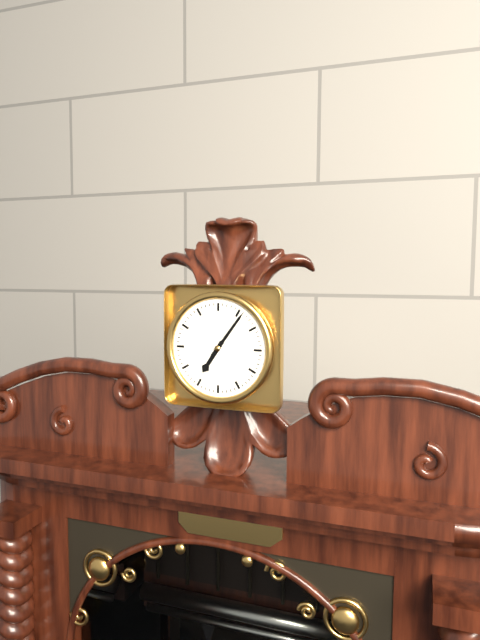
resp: 7h06
